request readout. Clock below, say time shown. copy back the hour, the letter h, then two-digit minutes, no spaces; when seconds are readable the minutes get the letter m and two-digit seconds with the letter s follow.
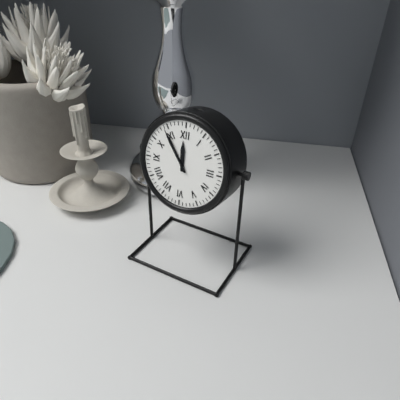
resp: 11h54
